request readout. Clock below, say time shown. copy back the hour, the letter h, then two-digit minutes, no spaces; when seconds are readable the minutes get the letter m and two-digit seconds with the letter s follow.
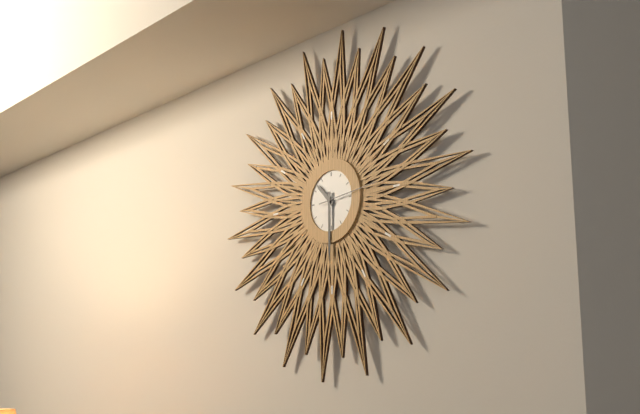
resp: 10h30m14s
